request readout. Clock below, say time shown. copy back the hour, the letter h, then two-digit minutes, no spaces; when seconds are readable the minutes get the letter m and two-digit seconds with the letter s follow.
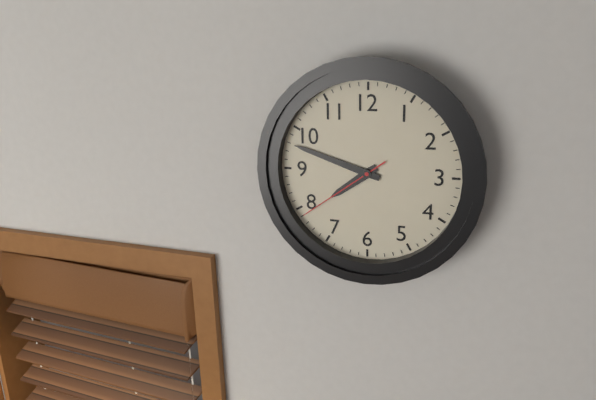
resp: 7h48m39s
